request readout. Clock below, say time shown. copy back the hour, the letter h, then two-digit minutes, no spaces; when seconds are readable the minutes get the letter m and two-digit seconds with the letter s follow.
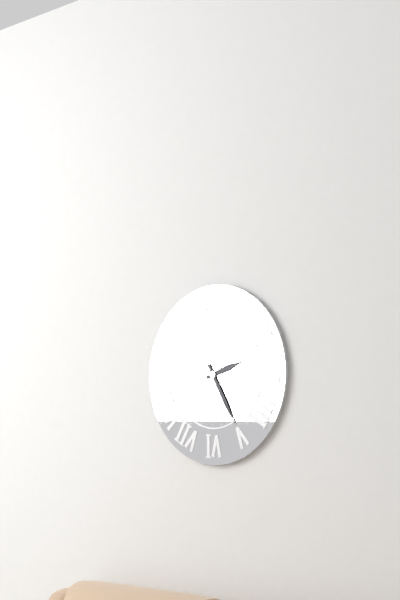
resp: 2h25
